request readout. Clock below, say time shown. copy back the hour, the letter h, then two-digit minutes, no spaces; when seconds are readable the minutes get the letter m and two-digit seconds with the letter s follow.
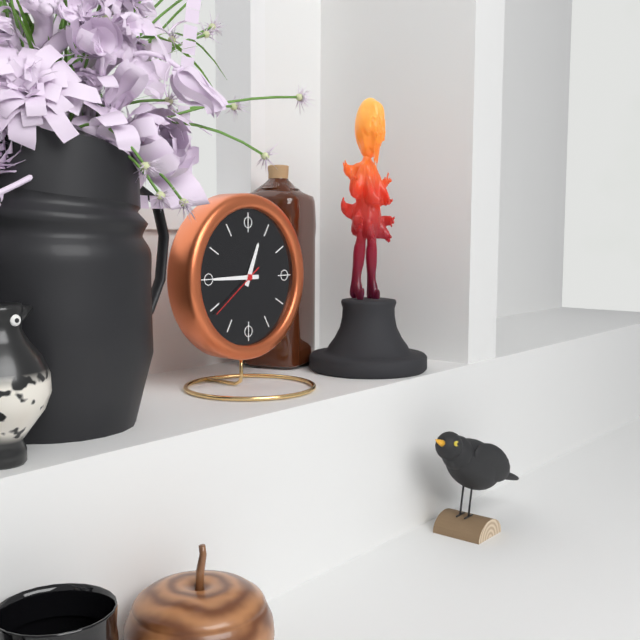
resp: 12h45m39s
